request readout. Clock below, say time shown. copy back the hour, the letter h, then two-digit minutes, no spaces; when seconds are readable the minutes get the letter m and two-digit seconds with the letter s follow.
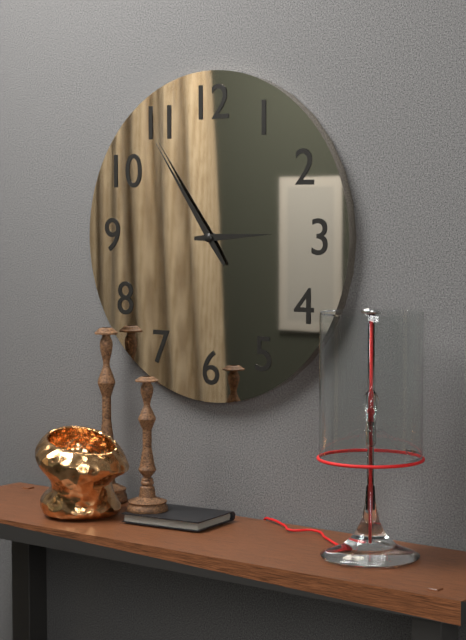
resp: 2h54
